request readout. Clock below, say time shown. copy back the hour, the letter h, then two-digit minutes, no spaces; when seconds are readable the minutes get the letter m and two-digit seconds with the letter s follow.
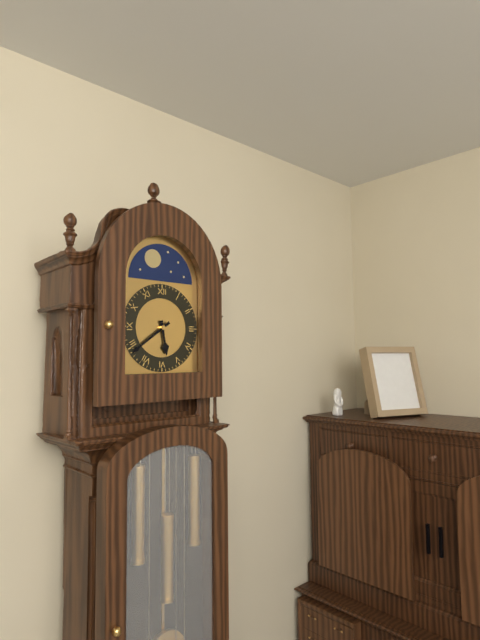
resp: 5h39
